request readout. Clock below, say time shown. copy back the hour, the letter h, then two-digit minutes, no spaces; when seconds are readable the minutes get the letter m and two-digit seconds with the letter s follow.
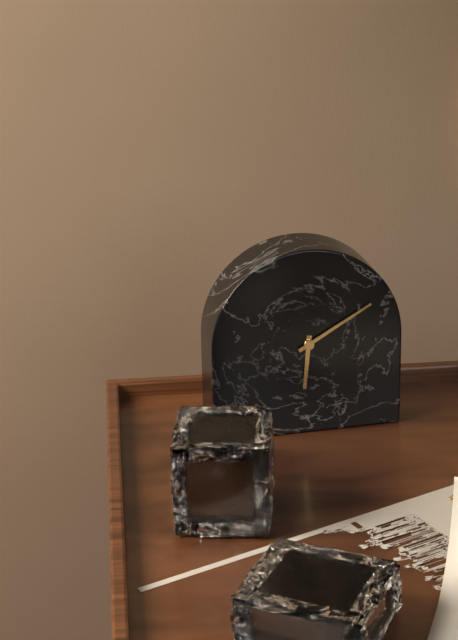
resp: 6h10
